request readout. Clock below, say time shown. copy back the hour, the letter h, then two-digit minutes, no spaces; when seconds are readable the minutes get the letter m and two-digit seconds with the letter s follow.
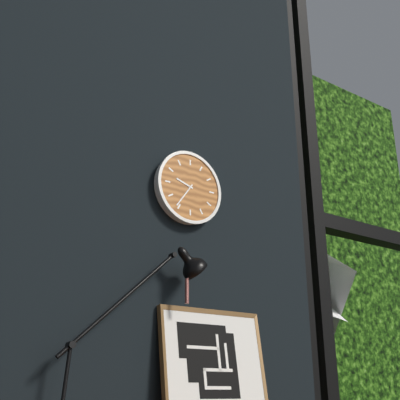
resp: 9h36
